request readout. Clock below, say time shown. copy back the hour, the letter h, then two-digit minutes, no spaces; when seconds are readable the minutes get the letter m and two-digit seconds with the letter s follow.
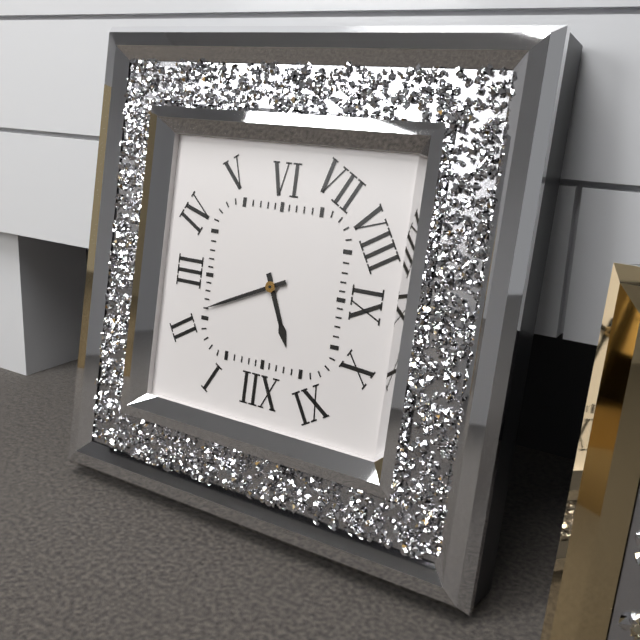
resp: 11h11
